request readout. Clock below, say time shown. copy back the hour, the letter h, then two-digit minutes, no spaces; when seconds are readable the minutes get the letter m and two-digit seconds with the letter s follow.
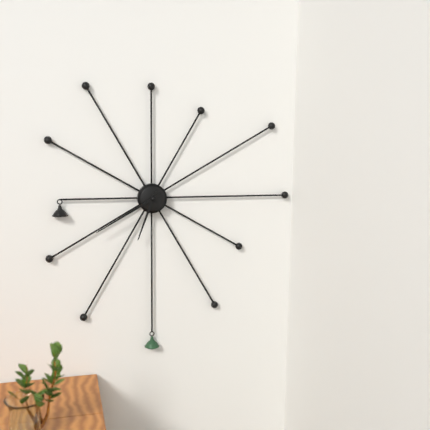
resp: 6h40
